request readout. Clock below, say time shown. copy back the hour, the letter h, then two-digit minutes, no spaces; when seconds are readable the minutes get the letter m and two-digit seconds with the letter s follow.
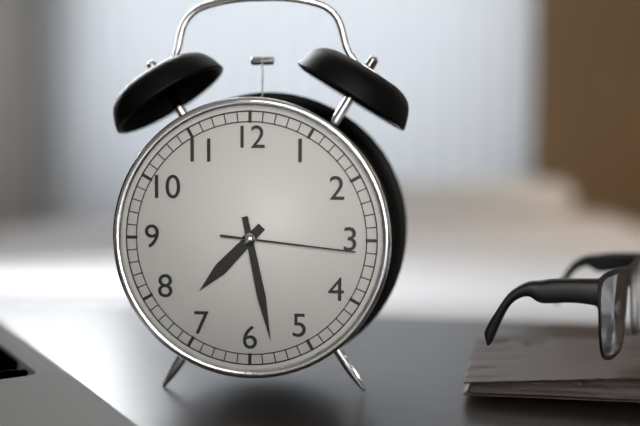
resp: 7h28m16s
